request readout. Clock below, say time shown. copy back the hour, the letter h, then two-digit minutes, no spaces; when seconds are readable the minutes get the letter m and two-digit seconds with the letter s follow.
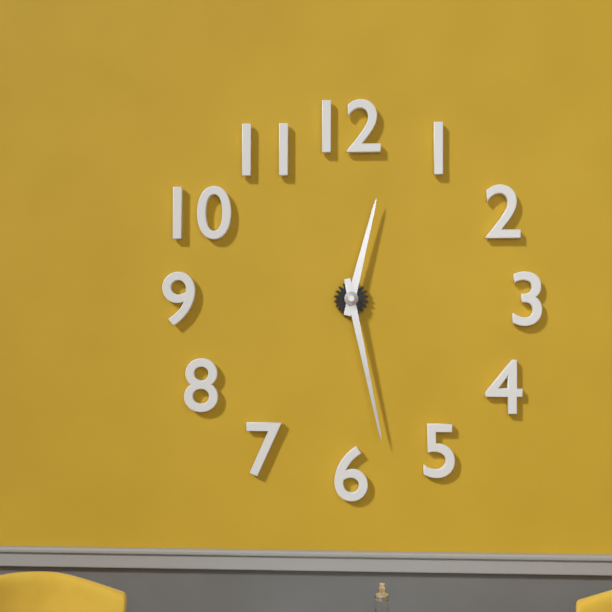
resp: 12h28
